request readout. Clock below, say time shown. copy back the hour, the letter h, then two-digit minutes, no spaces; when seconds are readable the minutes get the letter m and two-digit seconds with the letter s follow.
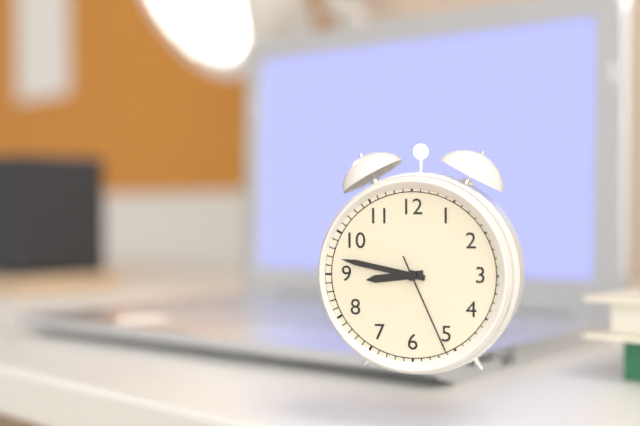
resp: 8h47m26s
